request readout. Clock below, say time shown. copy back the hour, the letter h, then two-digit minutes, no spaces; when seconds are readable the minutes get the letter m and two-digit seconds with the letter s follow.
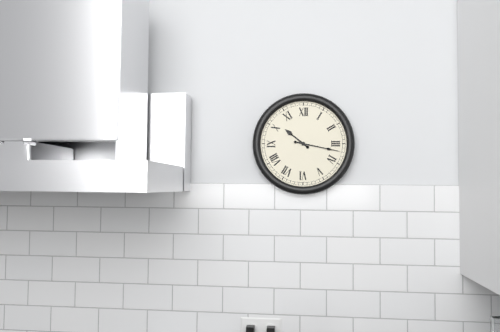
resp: 10h17
